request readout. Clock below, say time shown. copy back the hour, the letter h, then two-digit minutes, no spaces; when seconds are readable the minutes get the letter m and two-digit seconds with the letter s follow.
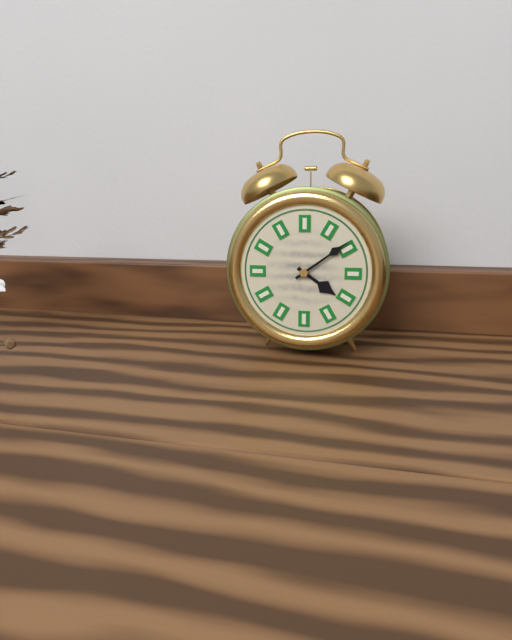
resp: 4h09
